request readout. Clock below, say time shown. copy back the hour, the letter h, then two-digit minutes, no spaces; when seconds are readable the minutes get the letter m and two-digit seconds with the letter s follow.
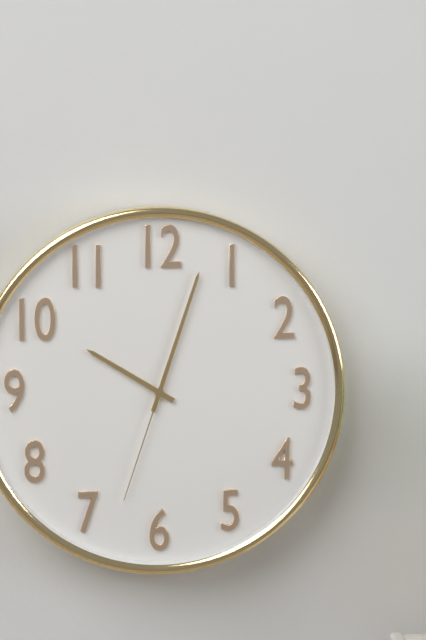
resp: 10h03m33s
